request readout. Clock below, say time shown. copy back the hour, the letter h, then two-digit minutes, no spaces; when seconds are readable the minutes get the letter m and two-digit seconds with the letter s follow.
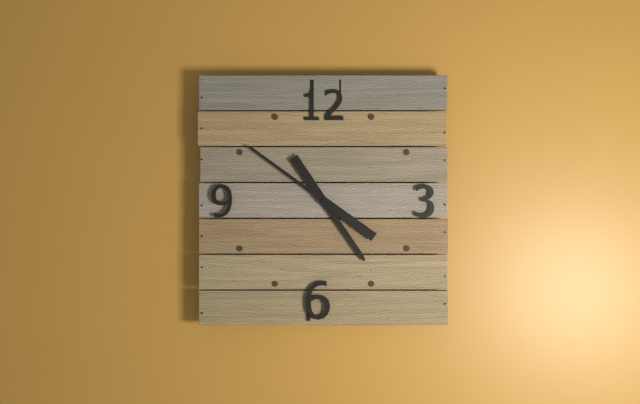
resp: 4h51
